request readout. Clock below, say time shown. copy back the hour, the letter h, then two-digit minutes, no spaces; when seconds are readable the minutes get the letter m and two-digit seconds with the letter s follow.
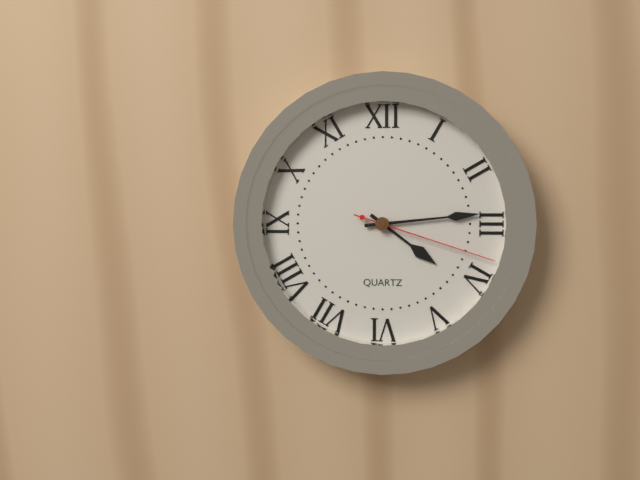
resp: 4h14m18s
